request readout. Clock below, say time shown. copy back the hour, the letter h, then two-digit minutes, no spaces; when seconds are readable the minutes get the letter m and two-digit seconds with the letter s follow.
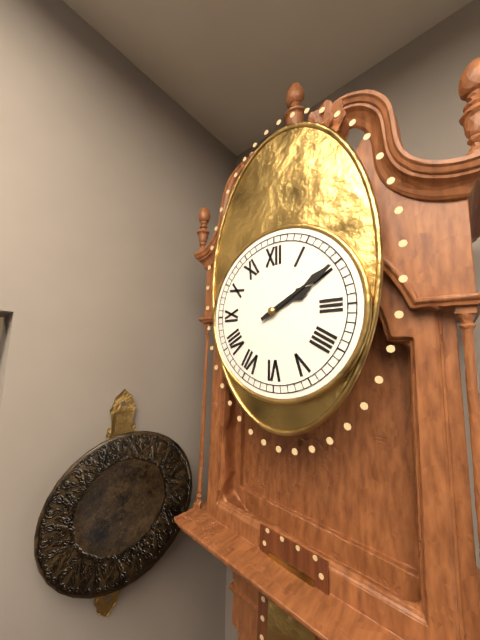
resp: 2h10
